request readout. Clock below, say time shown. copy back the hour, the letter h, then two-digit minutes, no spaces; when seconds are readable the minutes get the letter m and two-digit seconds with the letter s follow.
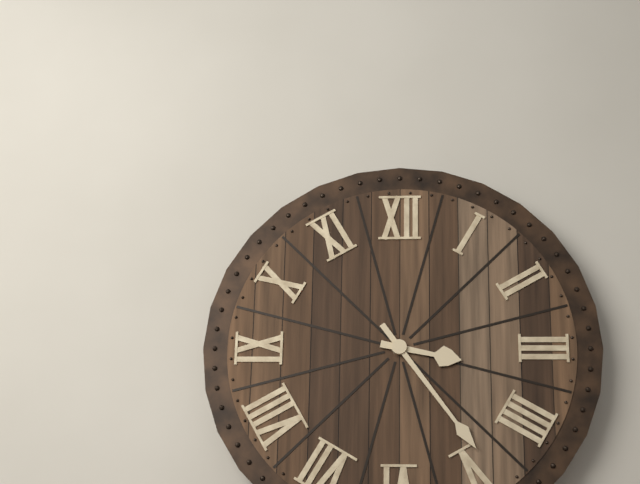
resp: 3h24
